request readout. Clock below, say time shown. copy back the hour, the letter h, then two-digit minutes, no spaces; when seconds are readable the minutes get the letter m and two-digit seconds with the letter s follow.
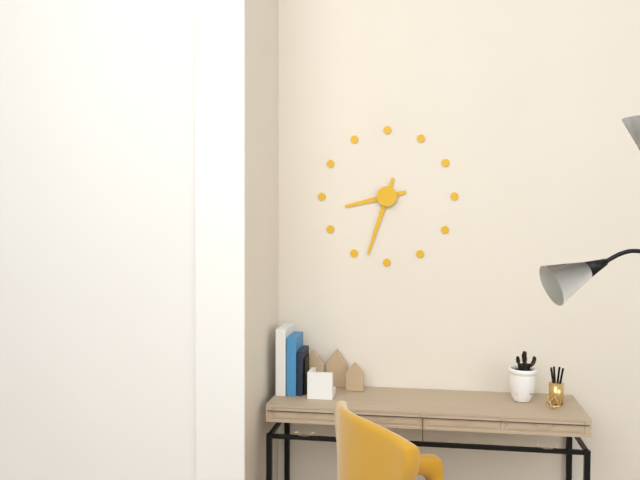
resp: 8h33
